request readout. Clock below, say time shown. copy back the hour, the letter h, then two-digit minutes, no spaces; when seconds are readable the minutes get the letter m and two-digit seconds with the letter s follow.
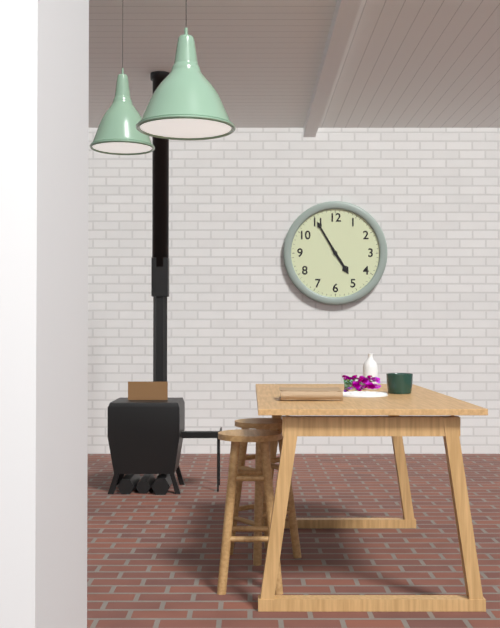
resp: 4h55
